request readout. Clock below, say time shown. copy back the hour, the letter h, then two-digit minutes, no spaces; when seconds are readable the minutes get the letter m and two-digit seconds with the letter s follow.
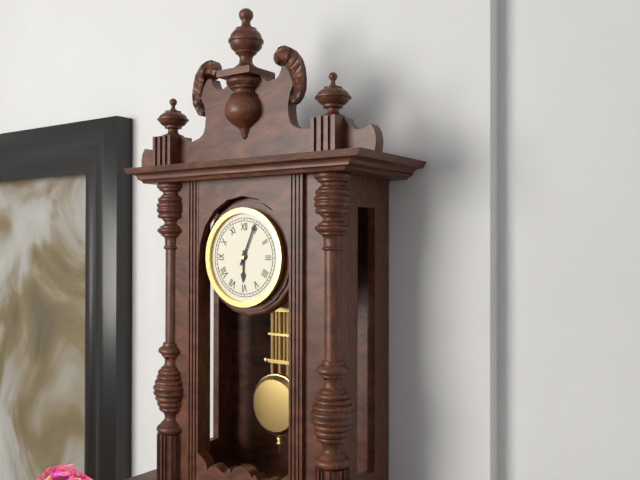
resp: 6h04
